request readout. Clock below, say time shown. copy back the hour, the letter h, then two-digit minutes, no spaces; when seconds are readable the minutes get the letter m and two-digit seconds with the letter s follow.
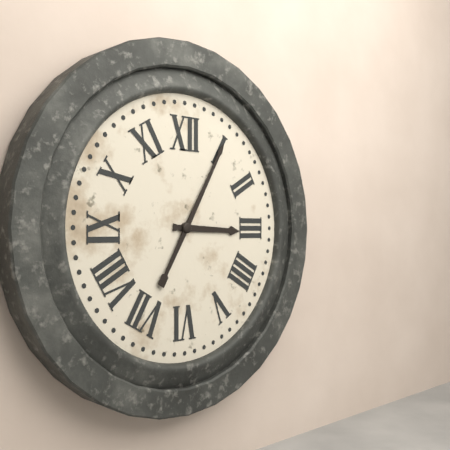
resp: 3h05
